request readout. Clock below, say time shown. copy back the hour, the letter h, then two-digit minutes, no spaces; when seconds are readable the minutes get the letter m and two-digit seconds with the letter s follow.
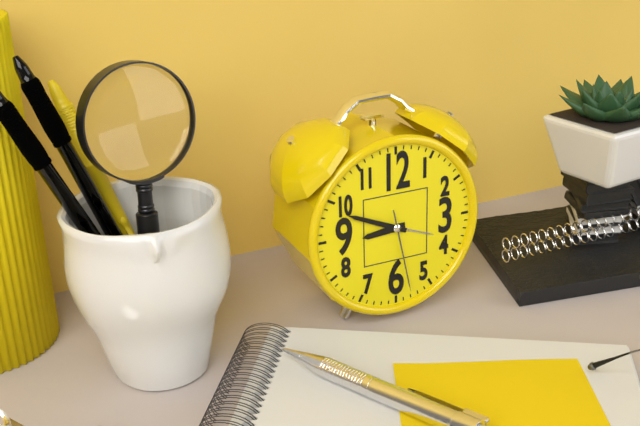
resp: 8h49m28s
